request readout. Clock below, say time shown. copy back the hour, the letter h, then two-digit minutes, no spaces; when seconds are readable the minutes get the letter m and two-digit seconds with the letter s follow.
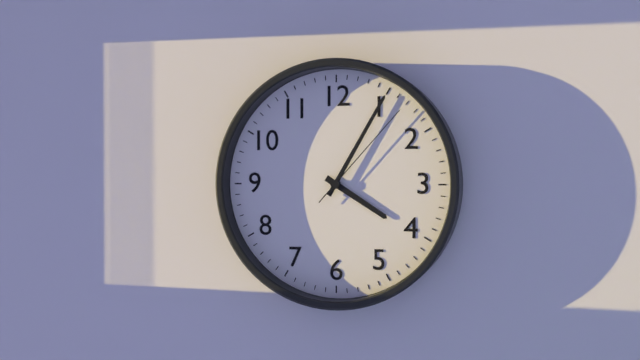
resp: 4h05m07s
